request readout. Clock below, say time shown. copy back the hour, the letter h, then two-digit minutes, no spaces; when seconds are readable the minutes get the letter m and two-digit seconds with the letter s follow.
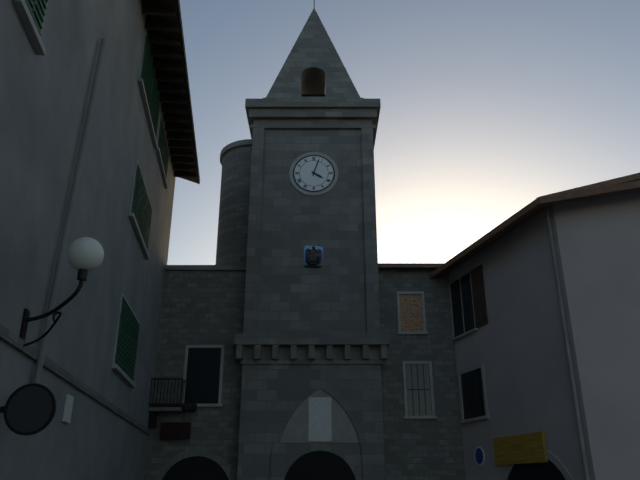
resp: 4h03
